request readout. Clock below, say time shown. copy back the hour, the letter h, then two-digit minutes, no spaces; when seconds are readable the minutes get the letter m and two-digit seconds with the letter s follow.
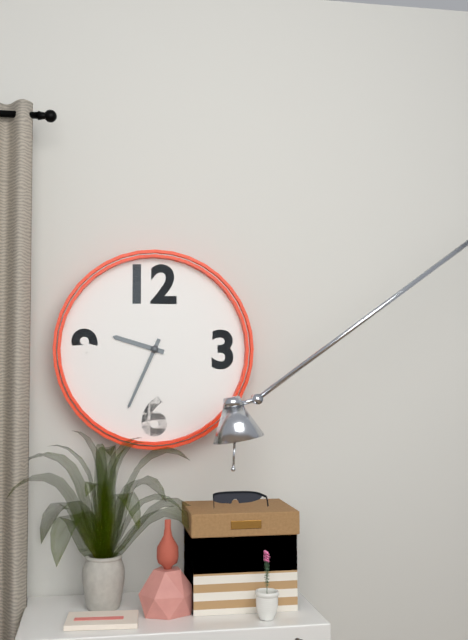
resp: 9h34
